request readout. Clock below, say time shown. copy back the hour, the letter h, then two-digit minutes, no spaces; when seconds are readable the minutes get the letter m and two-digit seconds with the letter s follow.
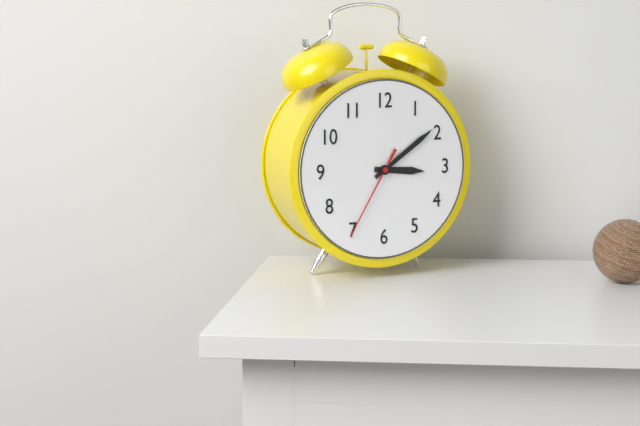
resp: 3h09m35s
